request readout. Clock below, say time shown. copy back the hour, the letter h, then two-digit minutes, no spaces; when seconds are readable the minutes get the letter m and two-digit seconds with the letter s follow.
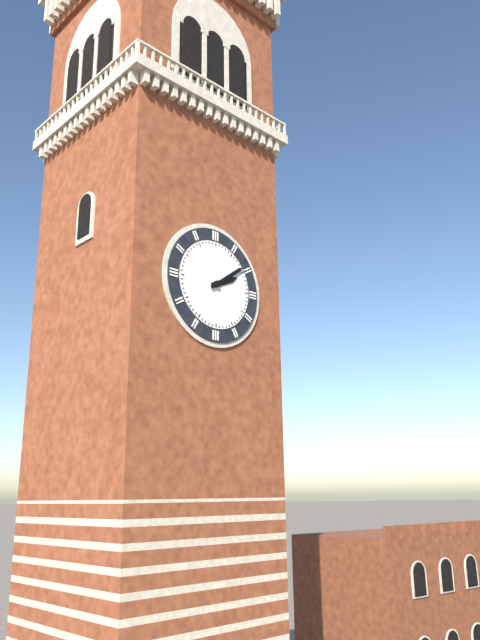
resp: 2h09
